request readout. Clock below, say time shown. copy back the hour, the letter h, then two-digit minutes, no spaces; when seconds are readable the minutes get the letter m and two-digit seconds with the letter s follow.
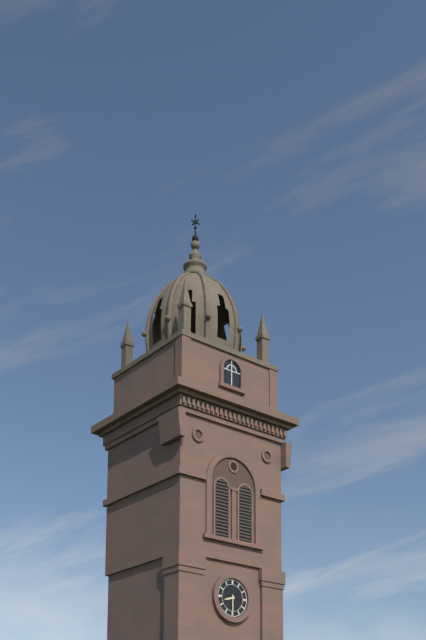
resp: 8h30
